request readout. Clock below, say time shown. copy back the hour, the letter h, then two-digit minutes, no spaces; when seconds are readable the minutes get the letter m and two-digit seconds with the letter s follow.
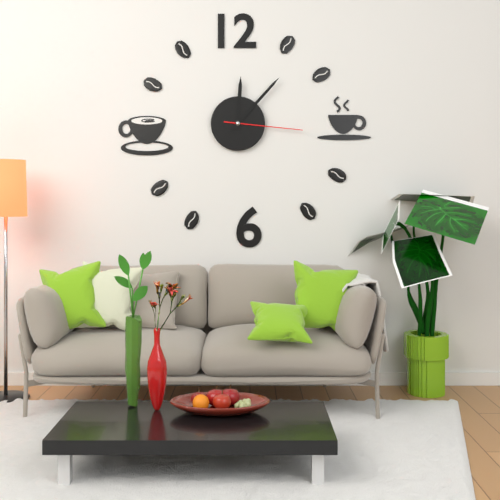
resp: 12h07m16s
